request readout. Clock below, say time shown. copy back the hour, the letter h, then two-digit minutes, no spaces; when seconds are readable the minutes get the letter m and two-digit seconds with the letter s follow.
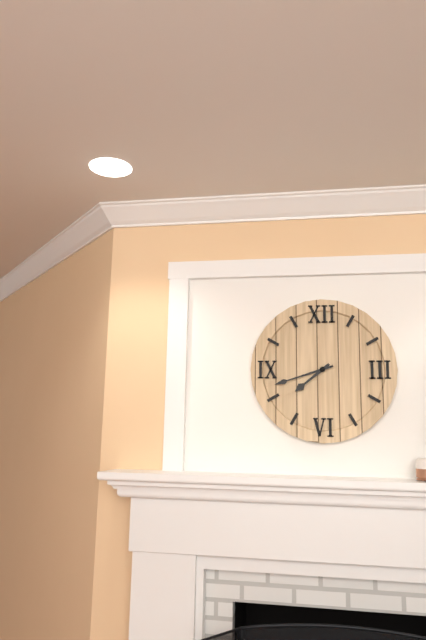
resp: 7h42
